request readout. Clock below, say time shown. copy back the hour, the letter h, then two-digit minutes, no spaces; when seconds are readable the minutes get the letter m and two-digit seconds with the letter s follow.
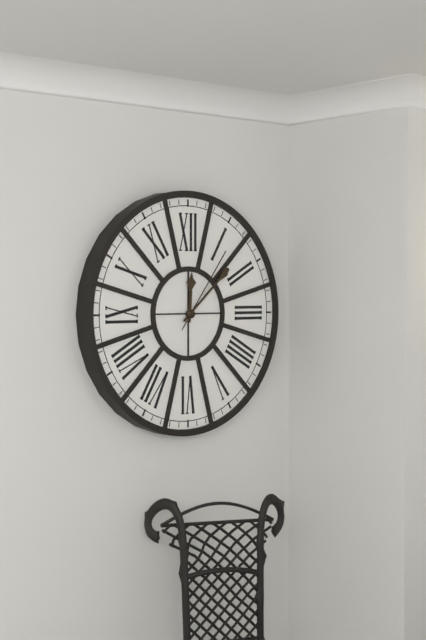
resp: 12h08m06s
